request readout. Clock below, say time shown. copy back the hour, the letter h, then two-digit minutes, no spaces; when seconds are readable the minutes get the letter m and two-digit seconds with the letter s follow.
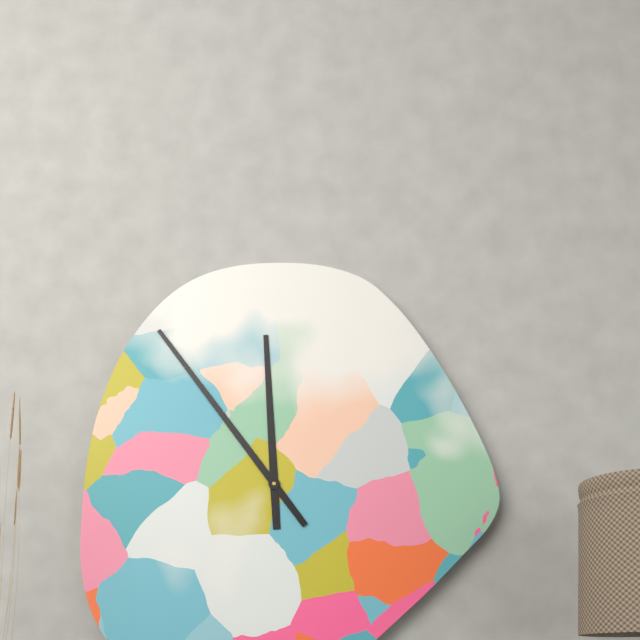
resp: 11h54
